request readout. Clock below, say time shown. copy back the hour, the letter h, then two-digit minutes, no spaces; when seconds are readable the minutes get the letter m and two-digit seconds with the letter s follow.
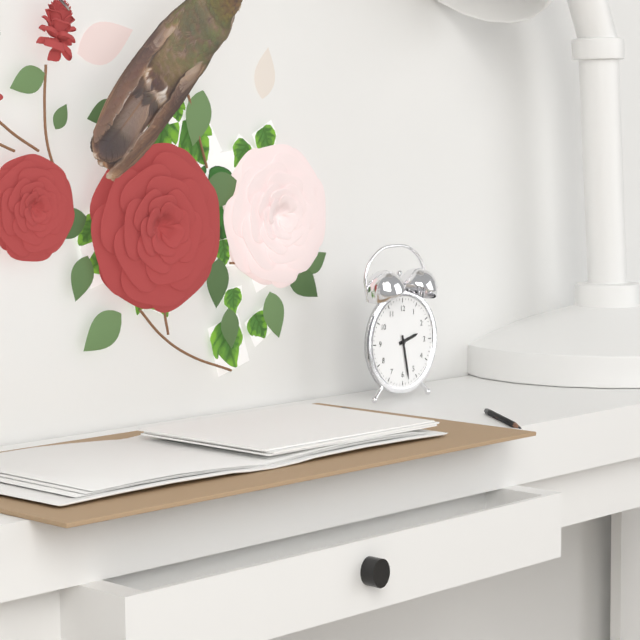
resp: 2h28
